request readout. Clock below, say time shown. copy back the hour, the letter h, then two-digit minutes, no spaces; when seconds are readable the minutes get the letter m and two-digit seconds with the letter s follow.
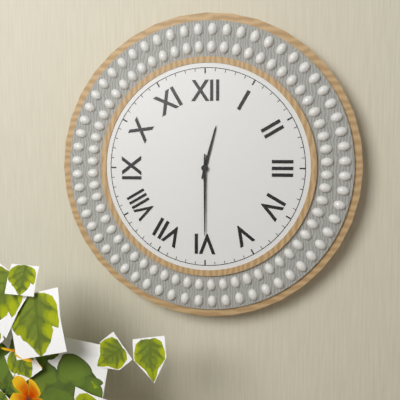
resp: 12h30
